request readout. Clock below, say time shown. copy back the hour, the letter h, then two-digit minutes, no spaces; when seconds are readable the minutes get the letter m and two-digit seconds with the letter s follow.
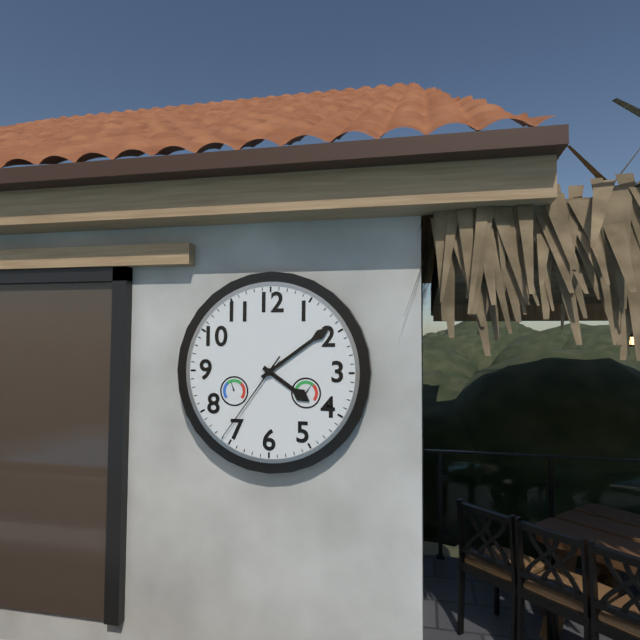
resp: 4h09m36s
